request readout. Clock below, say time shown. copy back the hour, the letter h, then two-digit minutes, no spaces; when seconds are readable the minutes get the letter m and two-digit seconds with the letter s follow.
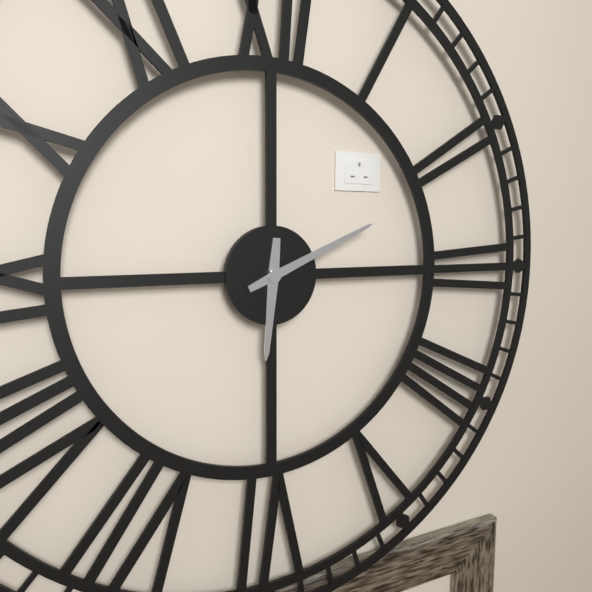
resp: 6h11
